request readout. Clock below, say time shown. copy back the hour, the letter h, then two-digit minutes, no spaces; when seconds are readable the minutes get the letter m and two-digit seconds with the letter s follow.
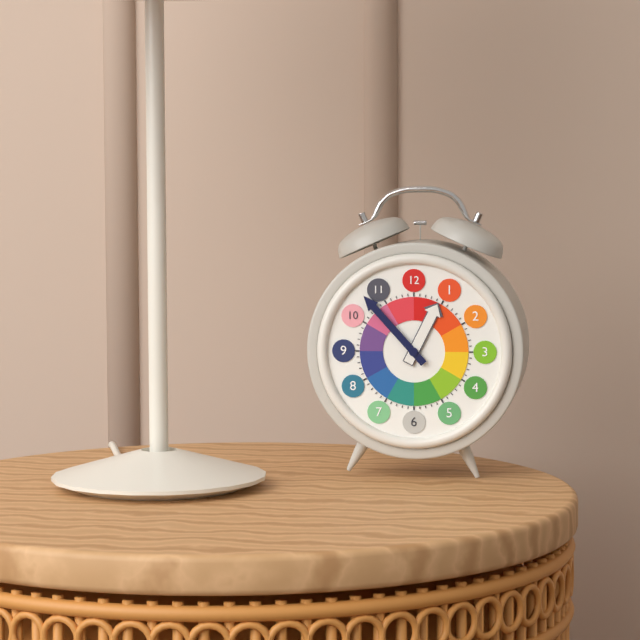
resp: 12h53
